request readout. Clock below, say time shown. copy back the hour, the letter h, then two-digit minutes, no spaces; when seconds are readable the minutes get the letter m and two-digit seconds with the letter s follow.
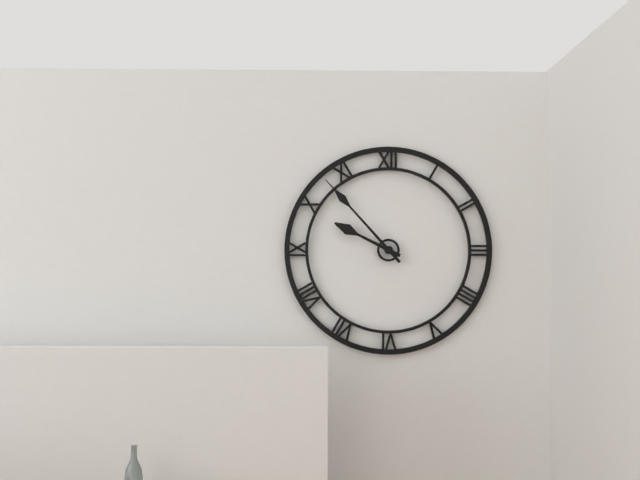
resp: 9h53
